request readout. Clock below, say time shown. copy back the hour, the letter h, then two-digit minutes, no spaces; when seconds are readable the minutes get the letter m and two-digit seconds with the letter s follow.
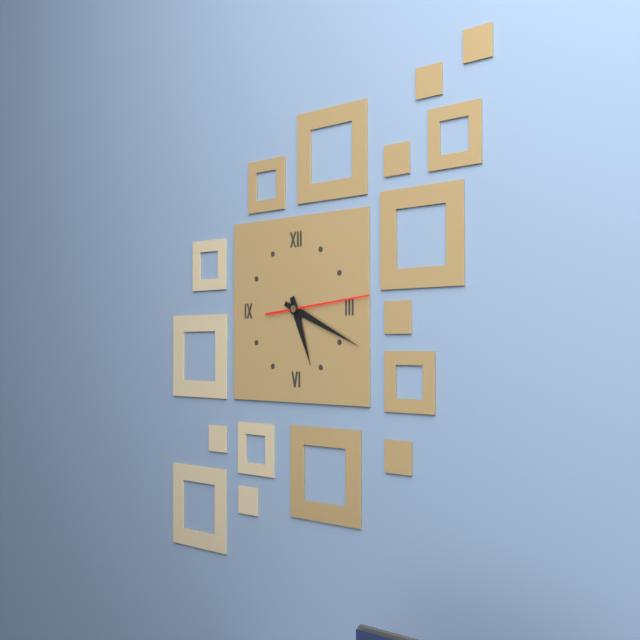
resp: 5h19m14s
